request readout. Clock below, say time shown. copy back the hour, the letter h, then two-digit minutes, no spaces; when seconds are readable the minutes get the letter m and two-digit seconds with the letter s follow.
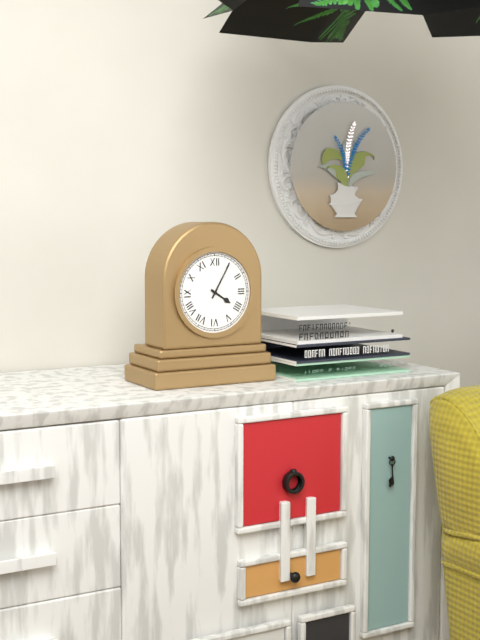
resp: 4h05
